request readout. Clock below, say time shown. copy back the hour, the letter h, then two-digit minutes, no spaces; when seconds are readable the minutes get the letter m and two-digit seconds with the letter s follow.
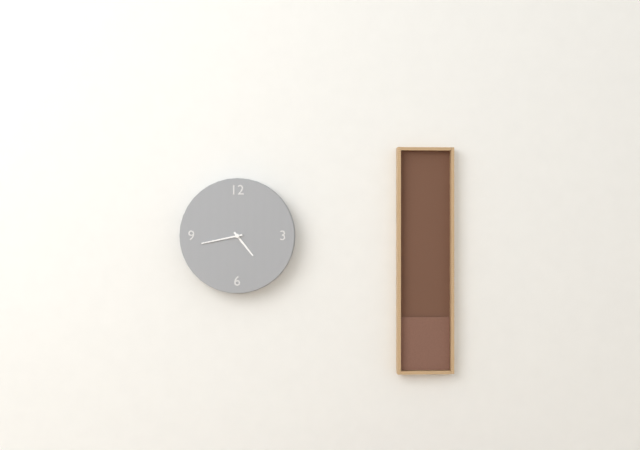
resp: 4h43
